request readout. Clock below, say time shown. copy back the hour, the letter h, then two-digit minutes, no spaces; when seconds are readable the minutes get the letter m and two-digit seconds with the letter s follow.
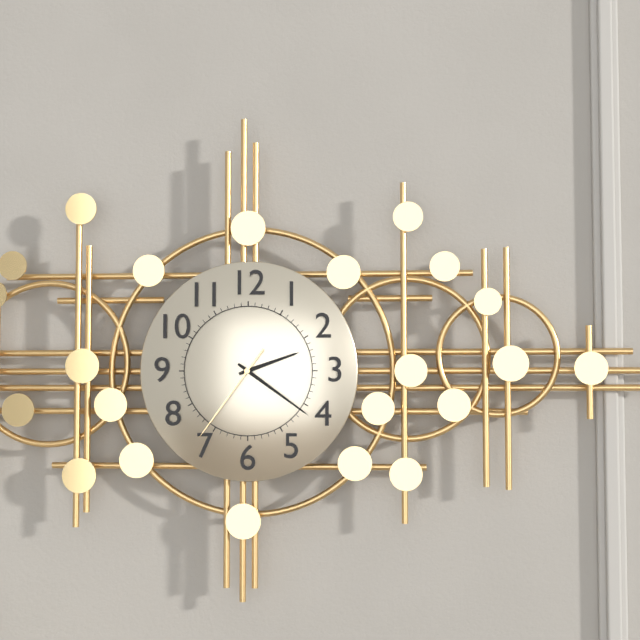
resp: 2h21m36s
